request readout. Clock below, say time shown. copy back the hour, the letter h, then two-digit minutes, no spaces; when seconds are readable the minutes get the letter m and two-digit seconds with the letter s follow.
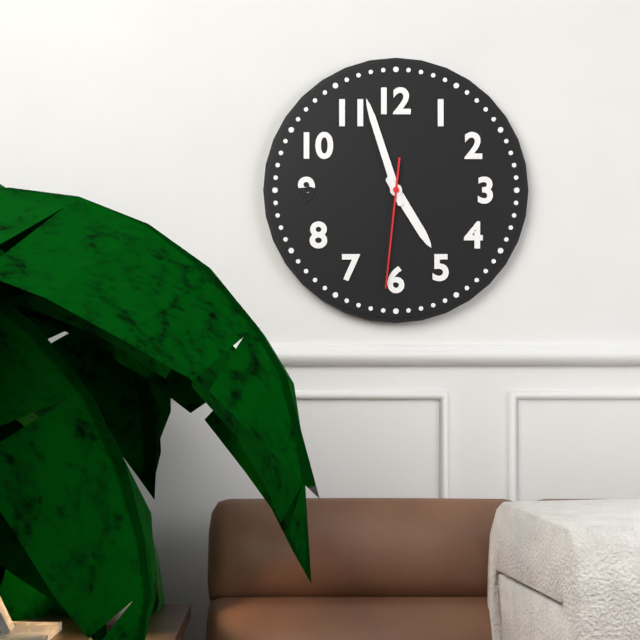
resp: 4h57m31s
